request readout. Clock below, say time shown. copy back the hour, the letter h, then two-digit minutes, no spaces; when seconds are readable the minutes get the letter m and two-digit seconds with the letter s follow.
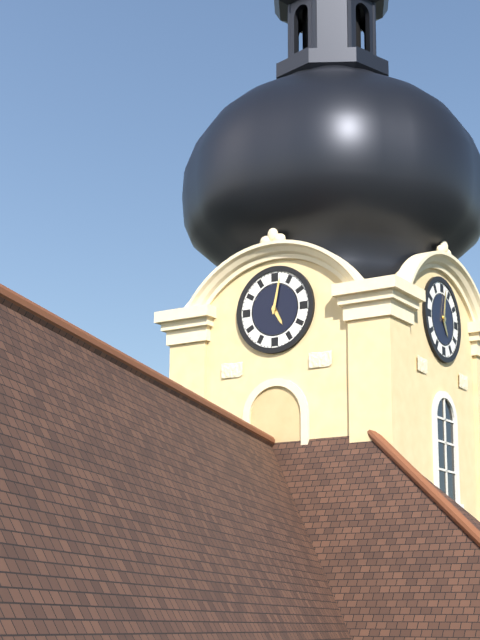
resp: 5h02
